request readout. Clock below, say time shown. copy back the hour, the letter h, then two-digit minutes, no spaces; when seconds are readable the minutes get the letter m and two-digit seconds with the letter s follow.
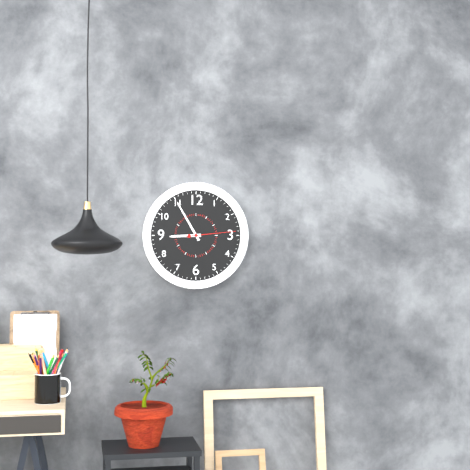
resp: 8h55m14s
